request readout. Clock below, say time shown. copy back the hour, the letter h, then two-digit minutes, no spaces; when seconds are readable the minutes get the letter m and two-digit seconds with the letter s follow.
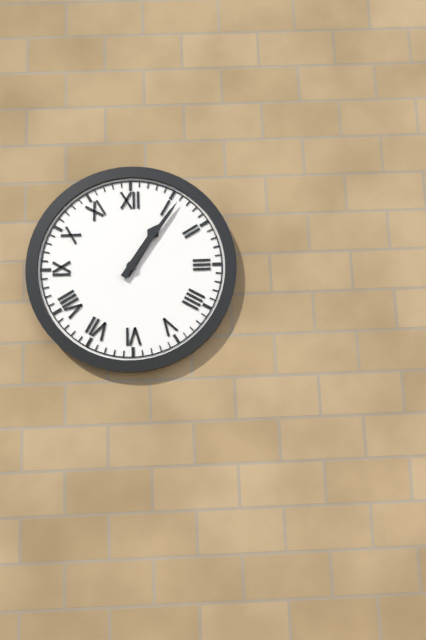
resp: 1h06
